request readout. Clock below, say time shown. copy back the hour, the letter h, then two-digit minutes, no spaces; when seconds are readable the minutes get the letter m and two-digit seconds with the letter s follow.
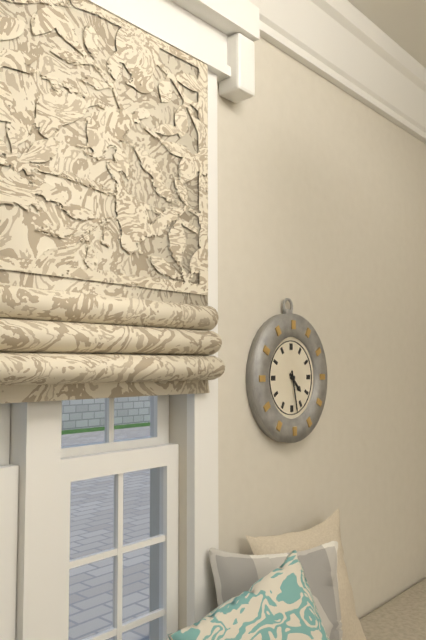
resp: 4h28
